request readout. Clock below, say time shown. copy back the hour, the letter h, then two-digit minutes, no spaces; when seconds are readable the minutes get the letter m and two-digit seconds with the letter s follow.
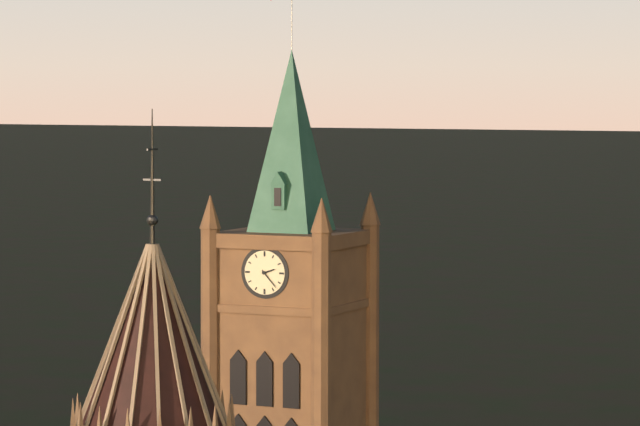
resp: 2h23
